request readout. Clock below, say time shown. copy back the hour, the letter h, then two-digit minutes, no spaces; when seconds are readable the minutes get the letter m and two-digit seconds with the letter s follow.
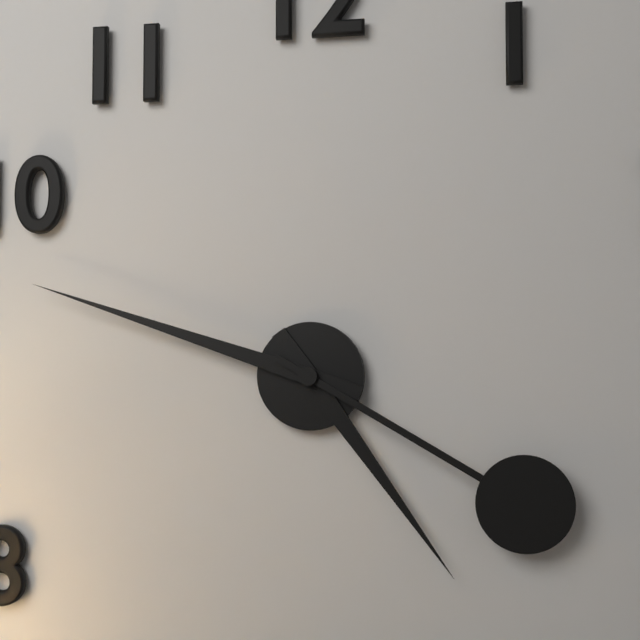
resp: 4h48m20s
